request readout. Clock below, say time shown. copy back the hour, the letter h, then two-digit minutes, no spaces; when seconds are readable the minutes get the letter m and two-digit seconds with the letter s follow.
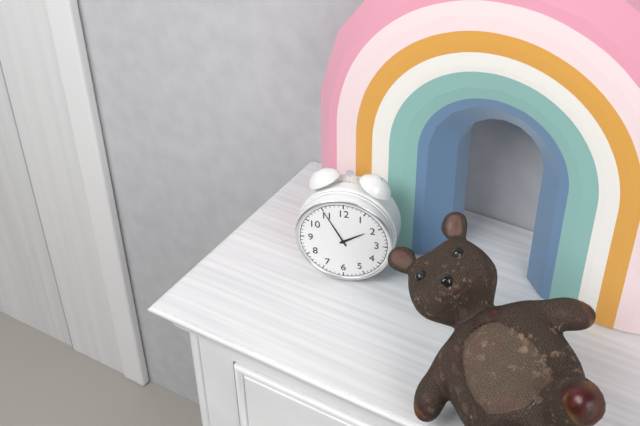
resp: 1h55
